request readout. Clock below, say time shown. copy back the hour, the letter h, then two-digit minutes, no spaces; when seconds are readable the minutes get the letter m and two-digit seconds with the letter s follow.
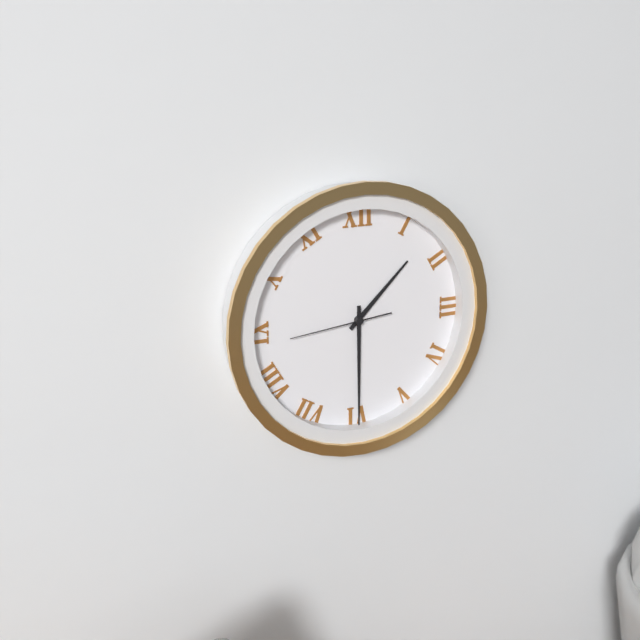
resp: 1h30m44s
